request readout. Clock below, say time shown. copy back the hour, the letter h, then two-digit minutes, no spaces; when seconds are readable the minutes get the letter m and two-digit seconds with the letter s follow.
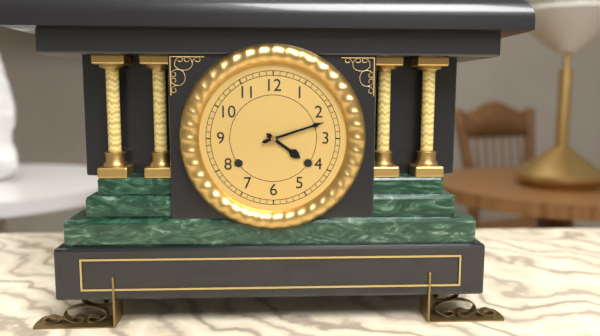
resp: 4h12
